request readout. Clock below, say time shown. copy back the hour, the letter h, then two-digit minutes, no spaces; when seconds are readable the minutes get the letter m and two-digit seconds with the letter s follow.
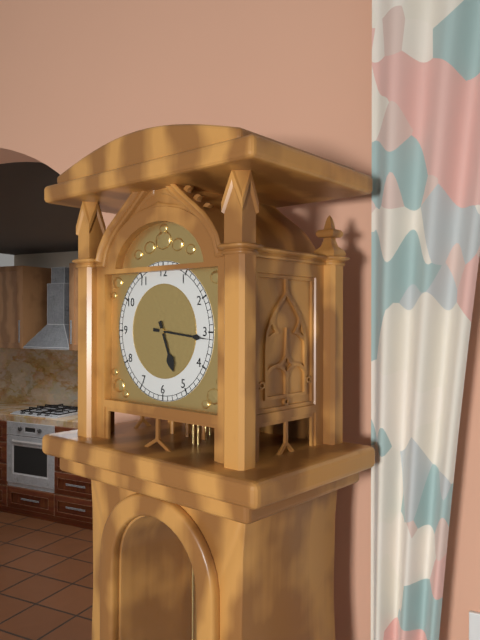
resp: 5h16
